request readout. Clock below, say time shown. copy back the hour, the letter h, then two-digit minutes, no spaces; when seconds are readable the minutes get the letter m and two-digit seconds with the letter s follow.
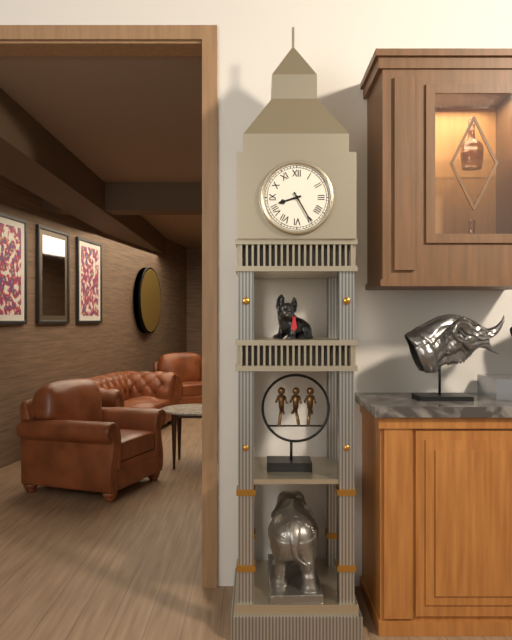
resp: 8h25
